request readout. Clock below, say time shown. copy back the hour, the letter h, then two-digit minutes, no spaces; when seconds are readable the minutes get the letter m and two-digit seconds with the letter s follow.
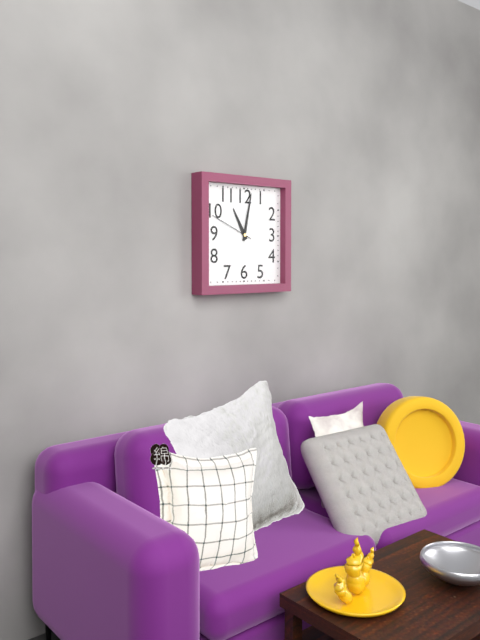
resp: 11h02
